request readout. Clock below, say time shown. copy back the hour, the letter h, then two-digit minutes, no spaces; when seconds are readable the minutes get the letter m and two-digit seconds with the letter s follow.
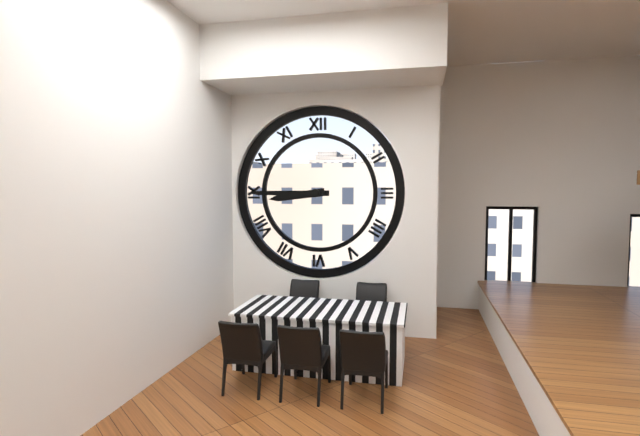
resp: 8h45
